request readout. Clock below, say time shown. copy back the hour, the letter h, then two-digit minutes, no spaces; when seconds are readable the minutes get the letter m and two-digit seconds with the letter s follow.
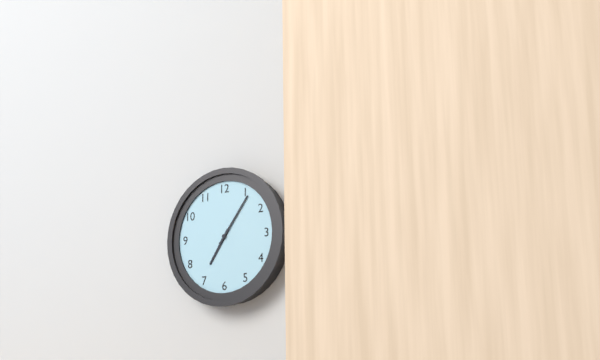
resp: 7h06
